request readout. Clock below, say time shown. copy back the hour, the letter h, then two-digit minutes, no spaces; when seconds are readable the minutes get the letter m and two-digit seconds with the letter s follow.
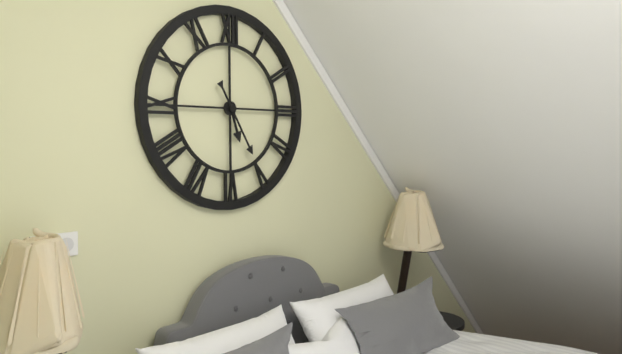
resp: 5h25
